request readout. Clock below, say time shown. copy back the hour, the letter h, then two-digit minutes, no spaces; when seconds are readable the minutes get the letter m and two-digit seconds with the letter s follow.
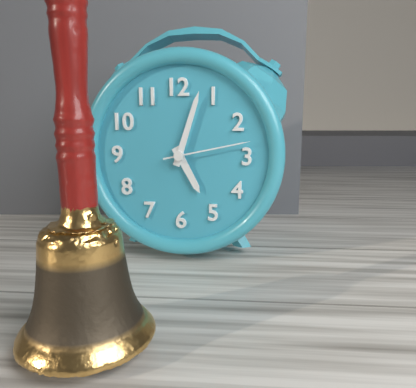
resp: 5h03m13s
